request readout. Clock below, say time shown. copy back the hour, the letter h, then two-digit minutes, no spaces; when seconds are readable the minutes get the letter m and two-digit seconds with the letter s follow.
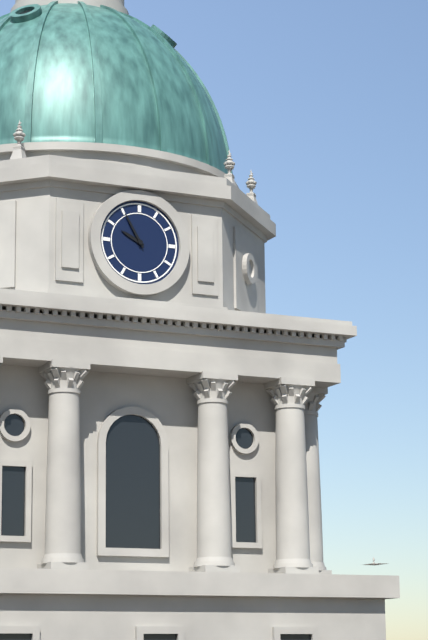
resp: 9h55
